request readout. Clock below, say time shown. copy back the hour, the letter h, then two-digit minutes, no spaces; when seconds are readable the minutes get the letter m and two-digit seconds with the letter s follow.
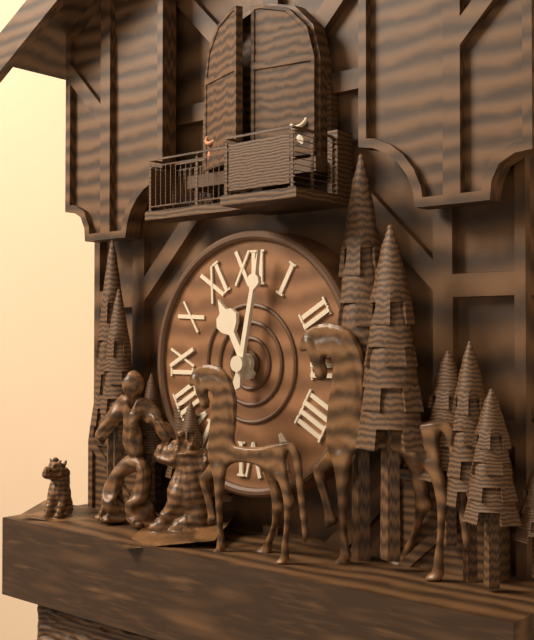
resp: 11h02
